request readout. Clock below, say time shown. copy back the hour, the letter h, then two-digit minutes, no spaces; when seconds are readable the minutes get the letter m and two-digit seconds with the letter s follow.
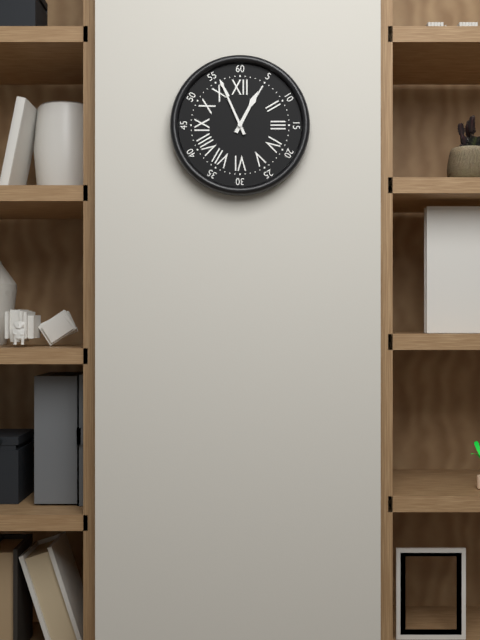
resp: 12h56
